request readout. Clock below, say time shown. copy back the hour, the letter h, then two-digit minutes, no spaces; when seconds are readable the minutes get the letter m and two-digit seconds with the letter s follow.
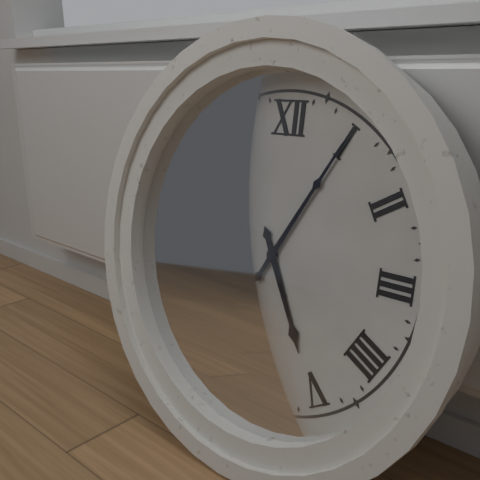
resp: 5h05
